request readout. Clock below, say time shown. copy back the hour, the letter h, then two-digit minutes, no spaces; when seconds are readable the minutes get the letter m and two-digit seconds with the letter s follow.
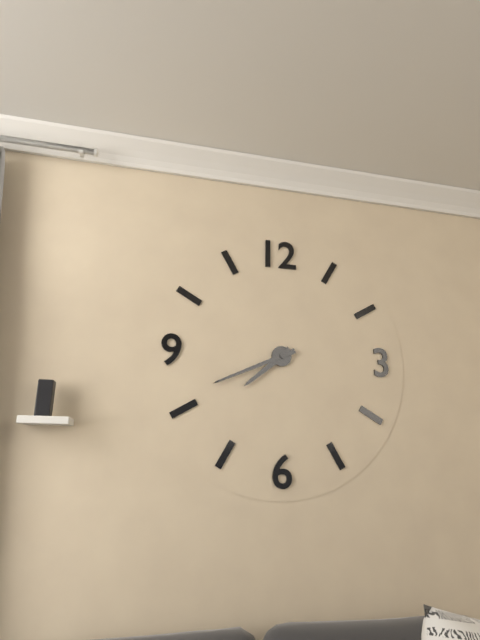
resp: 7h41
